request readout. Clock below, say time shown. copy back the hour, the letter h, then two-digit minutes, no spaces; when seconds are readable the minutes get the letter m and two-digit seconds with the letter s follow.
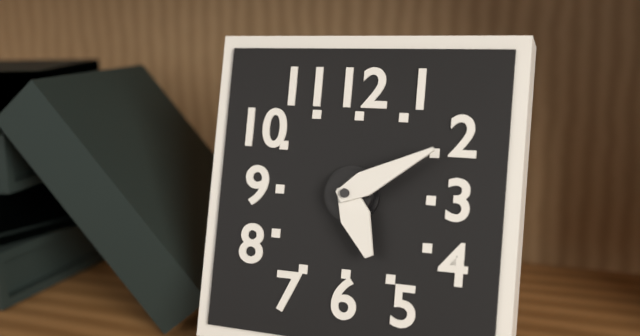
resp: 5h10
